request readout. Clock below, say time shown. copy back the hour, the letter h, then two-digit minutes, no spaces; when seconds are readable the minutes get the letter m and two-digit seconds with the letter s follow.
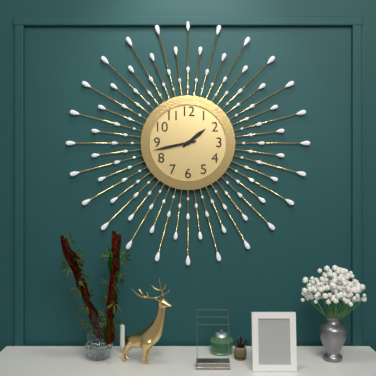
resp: 1h43
